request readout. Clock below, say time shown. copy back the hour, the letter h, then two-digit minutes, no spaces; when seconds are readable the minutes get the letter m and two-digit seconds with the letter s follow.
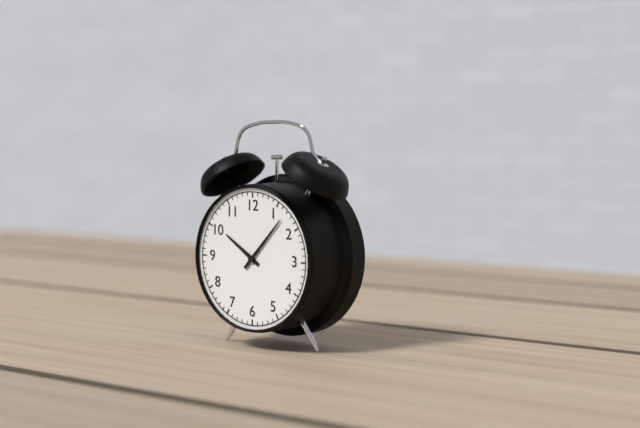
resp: 10h07
